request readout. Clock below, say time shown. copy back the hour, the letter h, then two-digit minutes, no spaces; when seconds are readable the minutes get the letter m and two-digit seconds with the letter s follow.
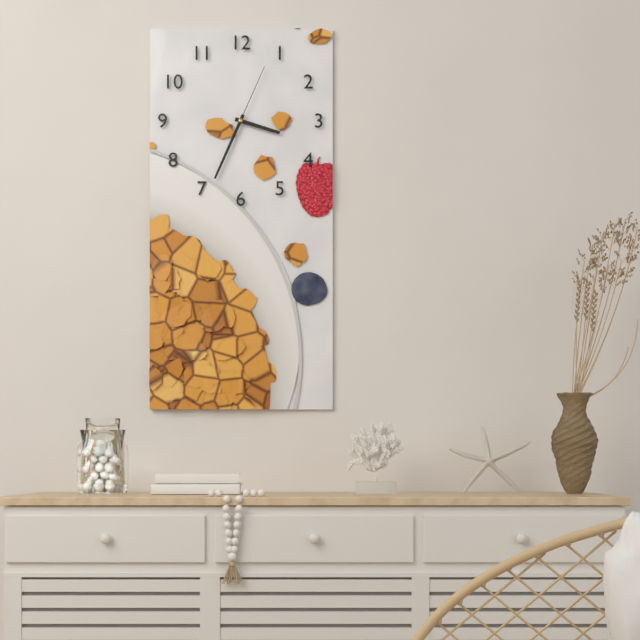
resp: 3h34m04s
